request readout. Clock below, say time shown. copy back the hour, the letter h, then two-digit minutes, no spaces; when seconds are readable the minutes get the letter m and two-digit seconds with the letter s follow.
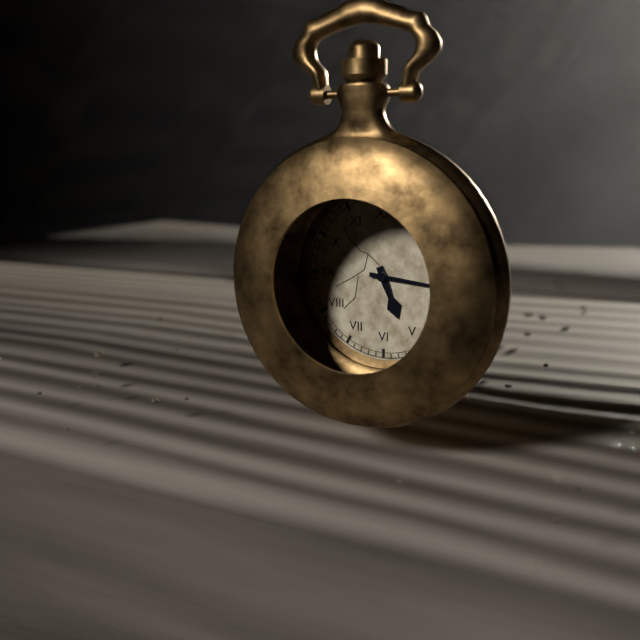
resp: 5h16
